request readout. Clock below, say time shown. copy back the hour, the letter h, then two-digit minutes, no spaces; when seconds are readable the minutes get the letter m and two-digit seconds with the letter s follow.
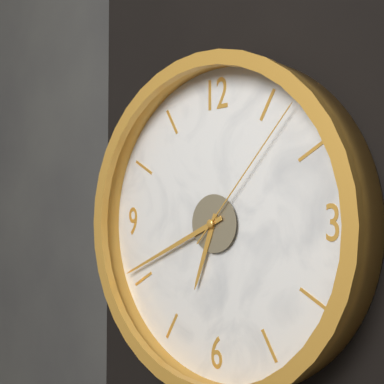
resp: 6h41m07s
